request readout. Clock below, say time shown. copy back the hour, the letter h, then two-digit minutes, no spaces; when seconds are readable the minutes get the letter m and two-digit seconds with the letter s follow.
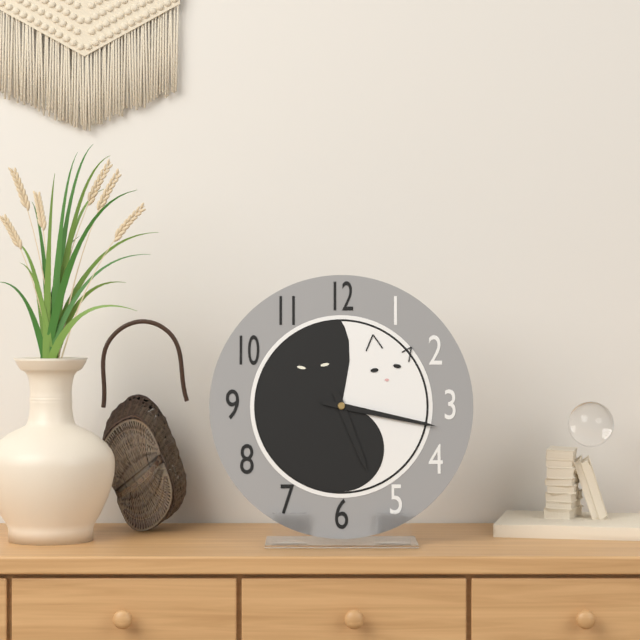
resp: 5h17
